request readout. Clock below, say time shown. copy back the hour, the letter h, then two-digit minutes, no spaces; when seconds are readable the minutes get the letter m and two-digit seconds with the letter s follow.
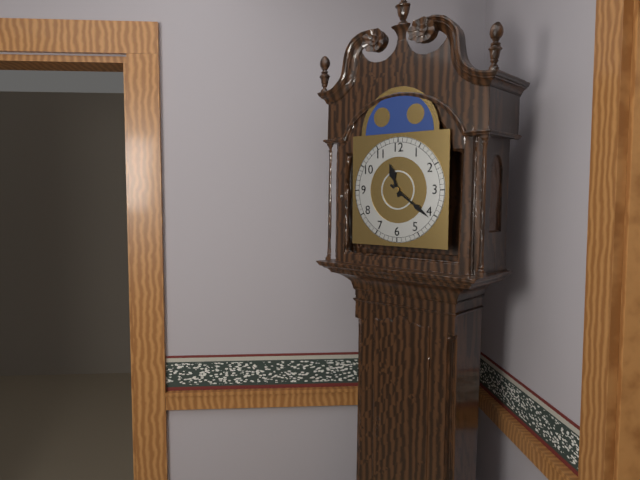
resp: 11h21
